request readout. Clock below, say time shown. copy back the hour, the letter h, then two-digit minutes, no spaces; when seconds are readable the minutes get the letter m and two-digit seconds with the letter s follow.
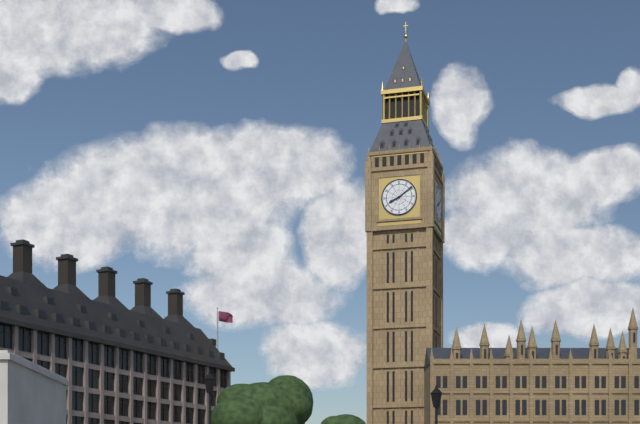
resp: 8h09
